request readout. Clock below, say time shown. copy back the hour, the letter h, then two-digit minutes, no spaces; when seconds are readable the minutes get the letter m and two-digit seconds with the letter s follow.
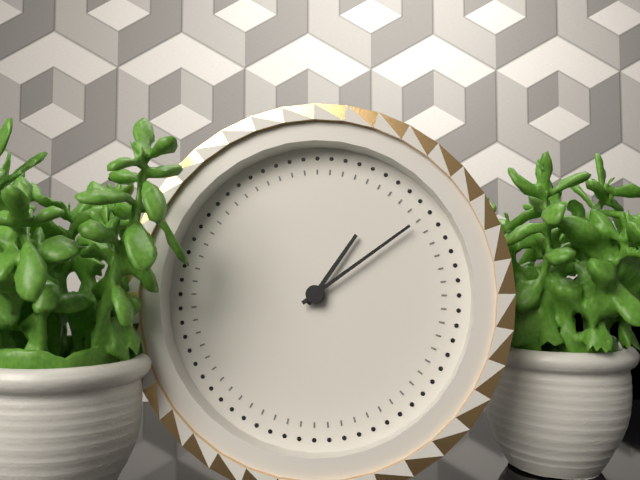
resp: 1h09
